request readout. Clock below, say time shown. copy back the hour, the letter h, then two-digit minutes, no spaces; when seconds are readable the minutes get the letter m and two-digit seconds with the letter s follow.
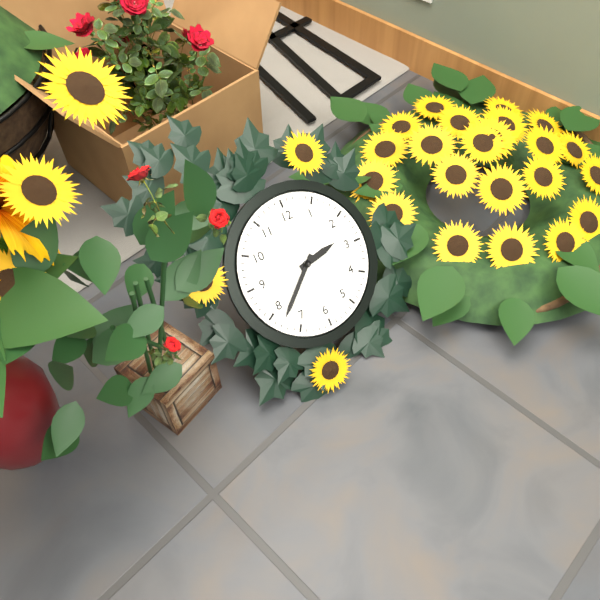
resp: 2h38
